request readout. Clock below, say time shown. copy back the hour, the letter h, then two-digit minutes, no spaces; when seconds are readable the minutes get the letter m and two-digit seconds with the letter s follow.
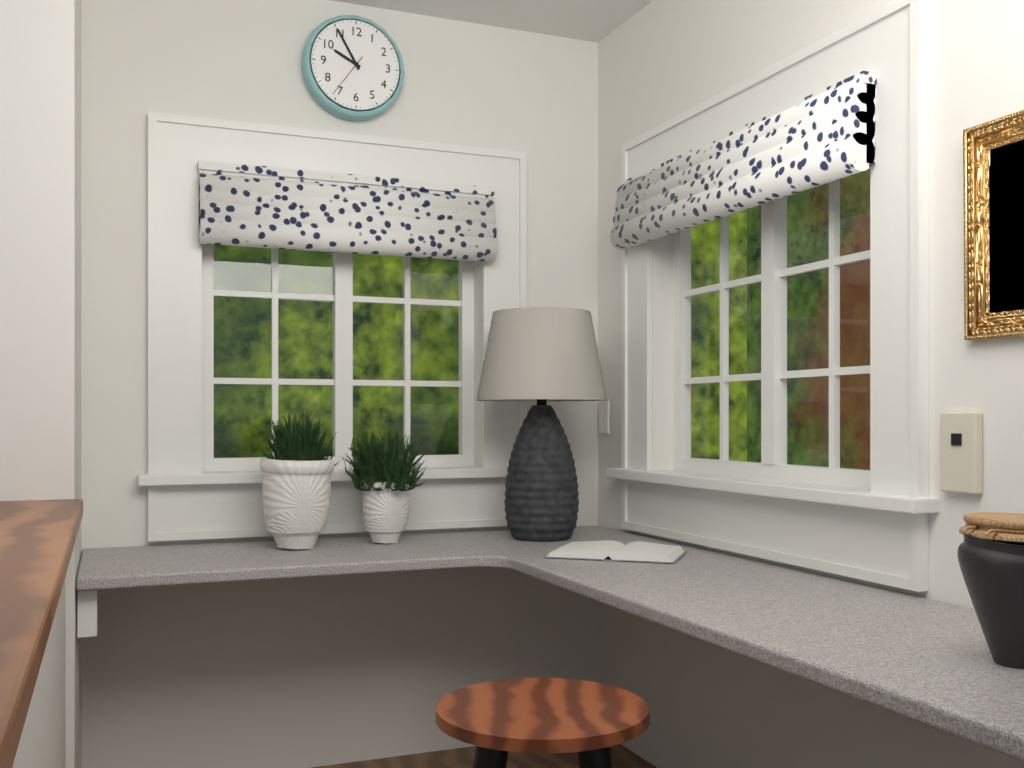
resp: 9h55
